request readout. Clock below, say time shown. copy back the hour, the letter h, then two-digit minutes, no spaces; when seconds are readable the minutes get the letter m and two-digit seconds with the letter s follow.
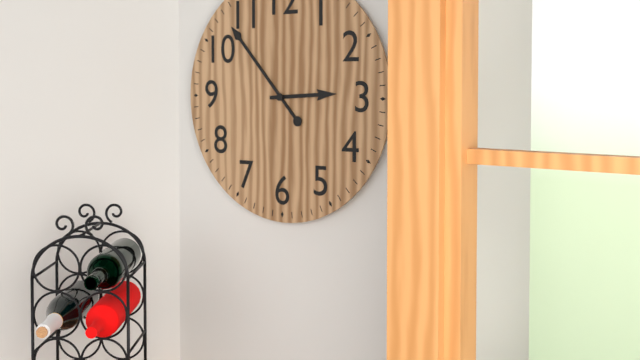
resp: 2h53
